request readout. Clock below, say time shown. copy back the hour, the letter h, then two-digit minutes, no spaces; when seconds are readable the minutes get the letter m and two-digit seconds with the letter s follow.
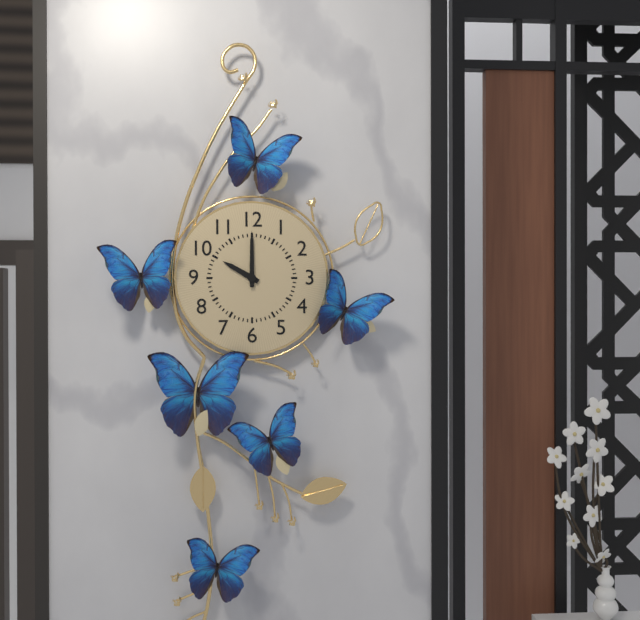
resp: 10h00
